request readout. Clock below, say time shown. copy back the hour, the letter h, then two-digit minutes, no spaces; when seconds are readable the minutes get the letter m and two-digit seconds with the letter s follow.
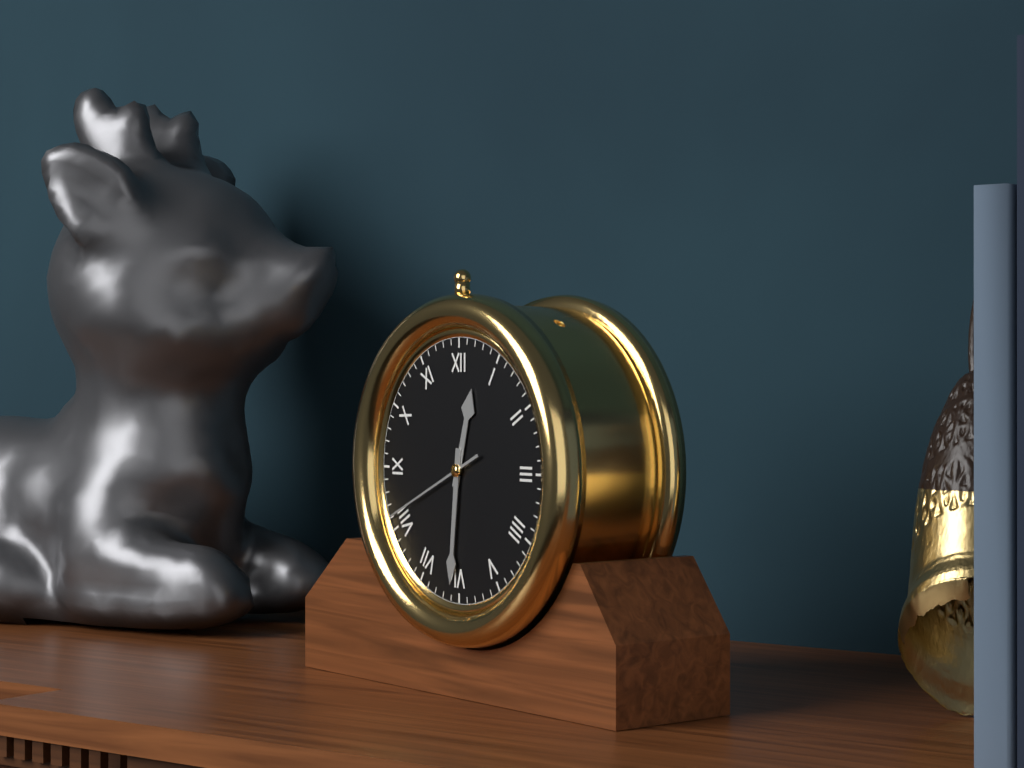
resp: 12h31m41s
